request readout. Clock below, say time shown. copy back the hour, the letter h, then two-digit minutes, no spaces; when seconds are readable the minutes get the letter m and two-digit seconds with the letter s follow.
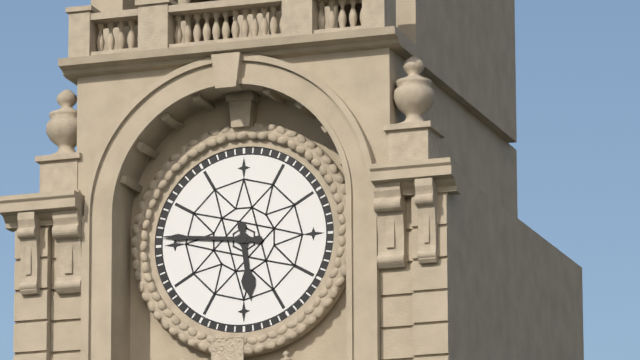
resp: 5h46
